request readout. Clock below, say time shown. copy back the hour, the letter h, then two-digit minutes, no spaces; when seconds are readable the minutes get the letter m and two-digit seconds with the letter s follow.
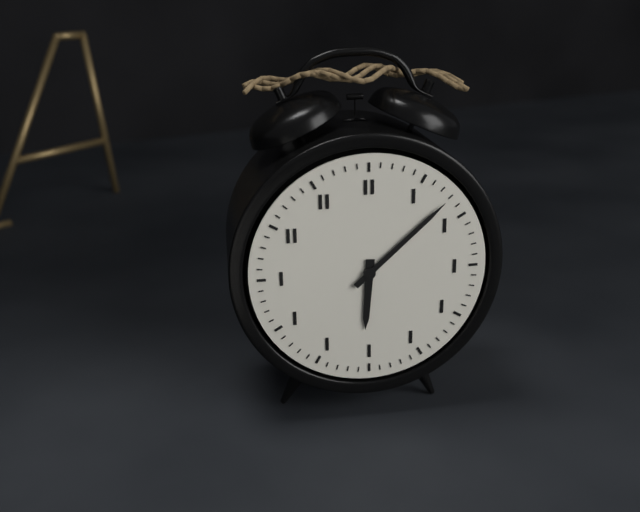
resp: 6h08
